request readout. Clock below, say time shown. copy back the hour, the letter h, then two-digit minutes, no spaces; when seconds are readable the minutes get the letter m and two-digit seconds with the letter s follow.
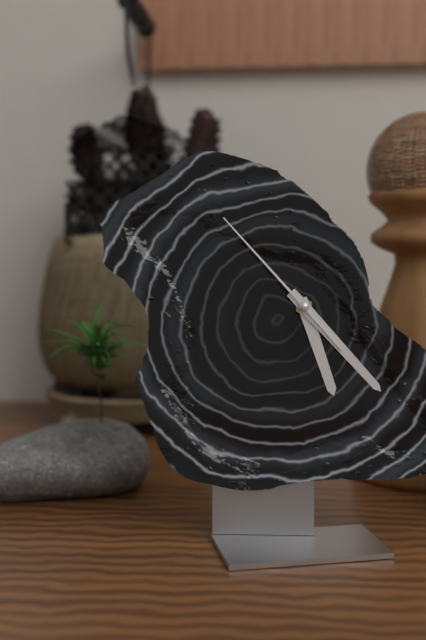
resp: 5h23m53s
